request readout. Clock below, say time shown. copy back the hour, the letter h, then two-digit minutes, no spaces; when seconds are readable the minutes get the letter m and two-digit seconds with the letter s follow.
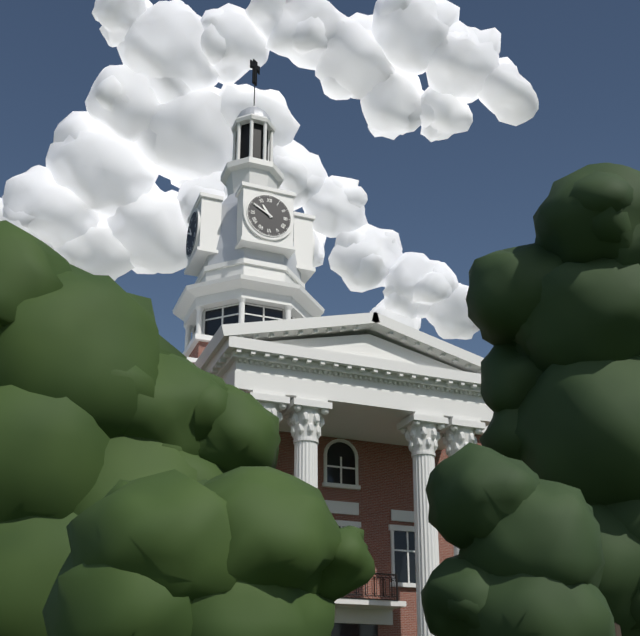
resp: 10h50
